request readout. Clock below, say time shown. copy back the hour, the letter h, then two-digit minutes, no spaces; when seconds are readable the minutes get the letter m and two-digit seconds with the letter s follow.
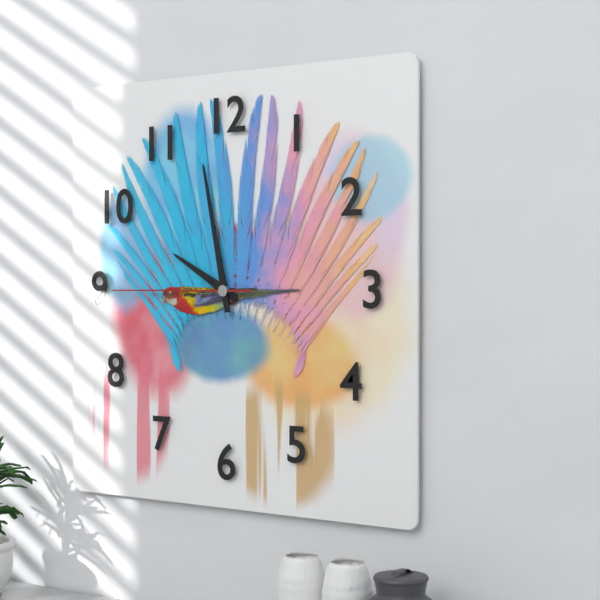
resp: 9h58m45s
